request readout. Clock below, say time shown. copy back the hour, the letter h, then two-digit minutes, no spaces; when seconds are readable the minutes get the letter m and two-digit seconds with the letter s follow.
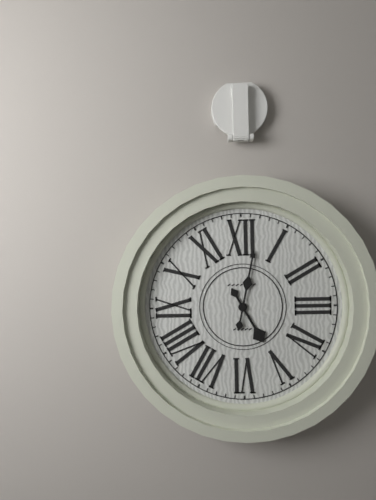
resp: 5h02
